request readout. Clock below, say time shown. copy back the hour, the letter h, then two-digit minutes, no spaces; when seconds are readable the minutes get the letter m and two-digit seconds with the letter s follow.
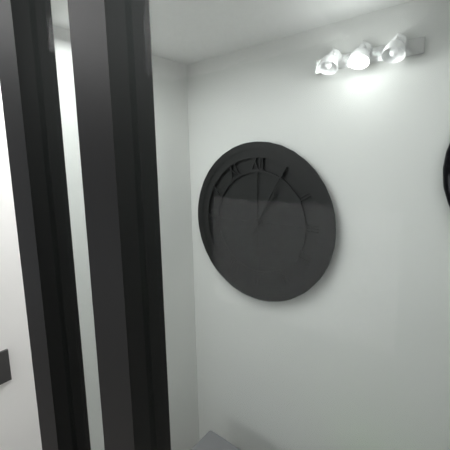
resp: 1h05
